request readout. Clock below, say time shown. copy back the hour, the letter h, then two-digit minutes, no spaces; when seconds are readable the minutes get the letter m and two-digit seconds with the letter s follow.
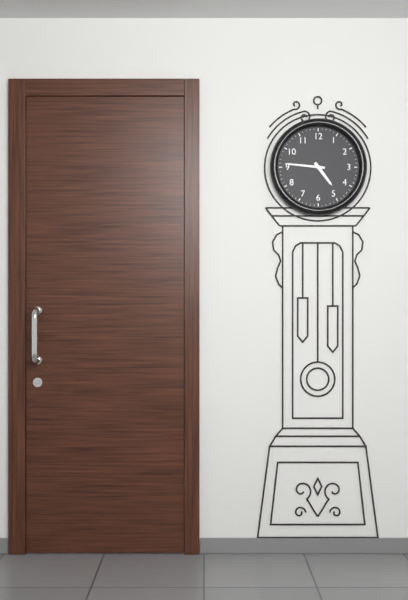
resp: 4h46
